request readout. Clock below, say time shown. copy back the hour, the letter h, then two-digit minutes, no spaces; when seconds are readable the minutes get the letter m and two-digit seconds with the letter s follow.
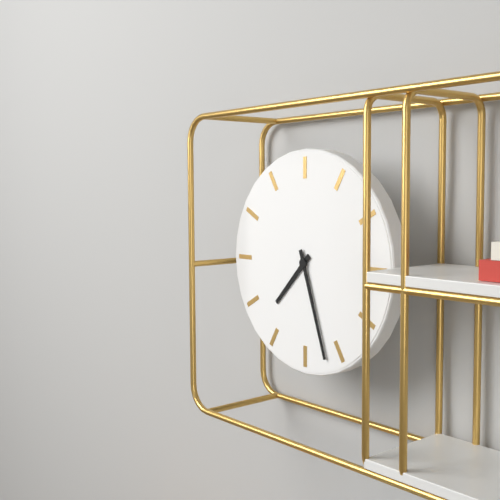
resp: 7h27
